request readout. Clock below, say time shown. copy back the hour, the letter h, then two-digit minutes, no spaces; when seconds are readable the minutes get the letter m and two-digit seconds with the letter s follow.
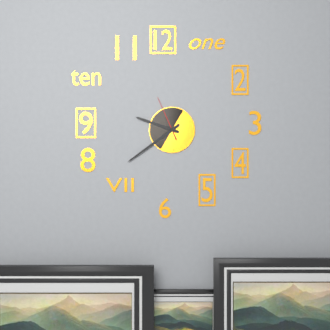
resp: 9h39
